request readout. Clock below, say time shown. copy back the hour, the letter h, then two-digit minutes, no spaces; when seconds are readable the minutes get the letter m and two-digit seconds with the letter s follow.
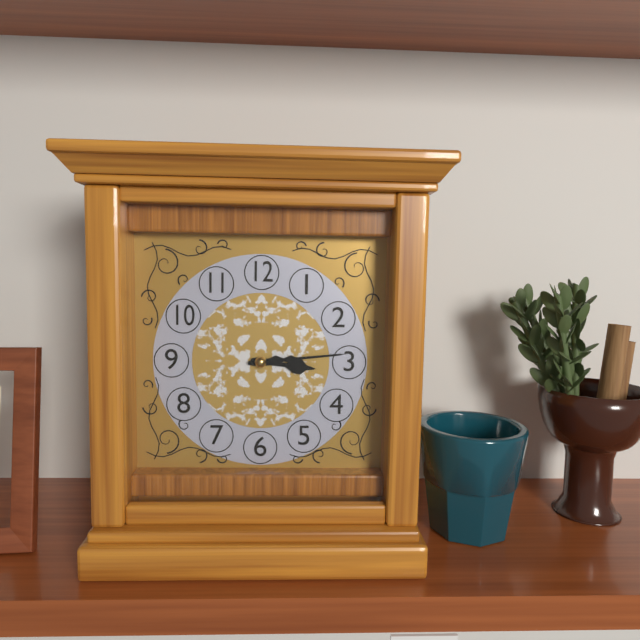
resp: 3h14
